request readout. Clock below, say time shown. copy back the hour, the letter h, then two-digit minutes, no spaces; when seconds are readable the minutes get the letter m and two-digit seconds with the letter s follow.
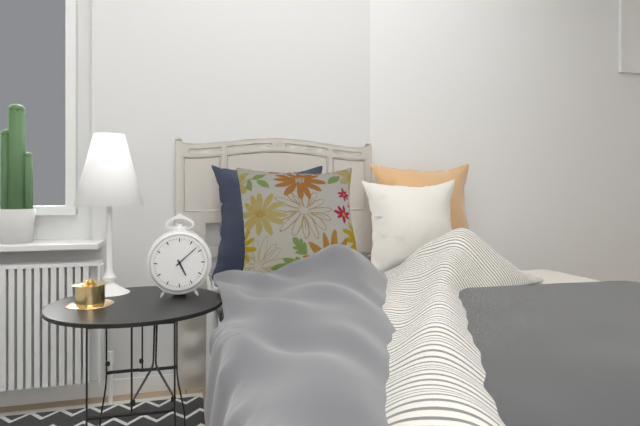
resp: 5h08
